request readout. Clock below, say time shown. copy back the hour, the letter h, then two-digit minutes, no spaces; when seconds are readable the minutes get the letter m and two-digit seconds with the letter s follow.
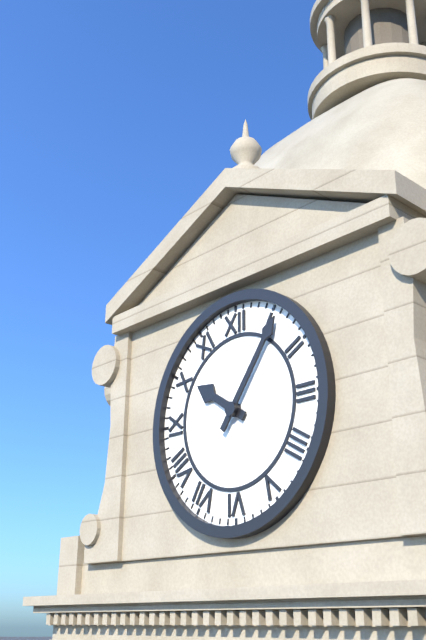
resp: 10h06
